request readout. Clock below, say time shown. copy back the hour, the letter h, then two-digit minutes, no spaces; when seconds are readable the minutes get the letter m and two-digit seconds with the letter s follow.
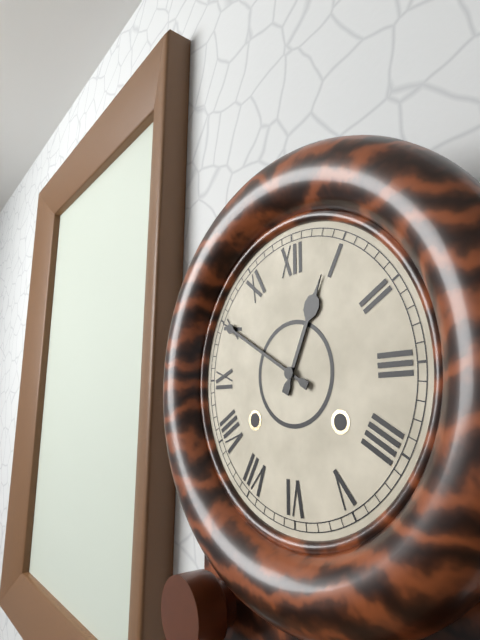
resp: 12h50
